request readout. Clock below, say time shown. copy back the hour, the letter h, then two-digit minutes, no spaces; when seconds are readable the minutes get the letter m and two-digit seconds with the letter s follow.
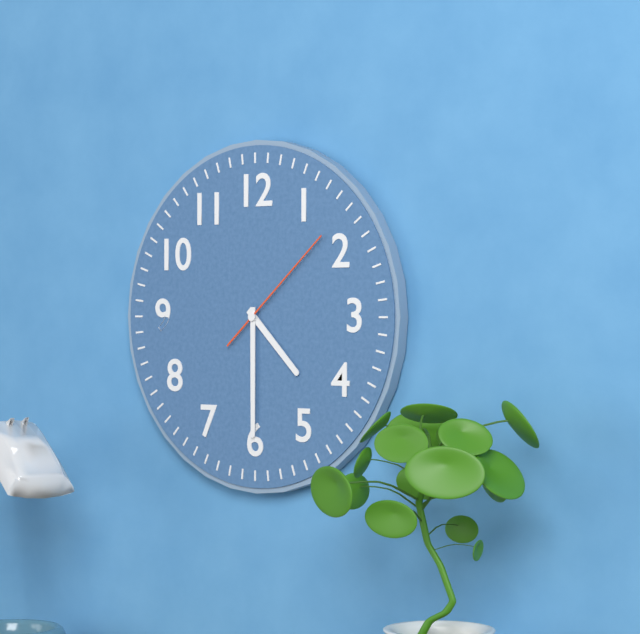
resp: 4h30m08s
